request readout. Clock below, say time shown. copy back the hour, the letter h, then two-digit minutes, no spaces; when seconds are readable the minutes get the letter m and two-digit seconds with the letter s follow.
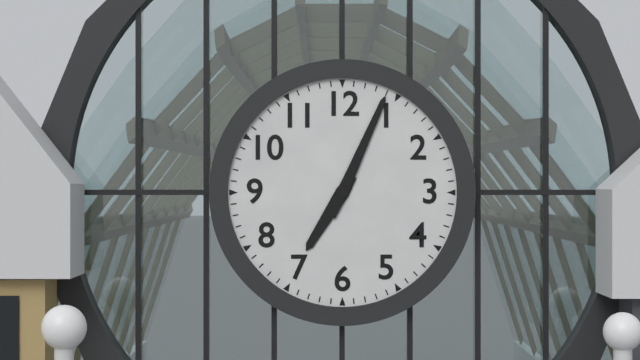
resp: 7h04
